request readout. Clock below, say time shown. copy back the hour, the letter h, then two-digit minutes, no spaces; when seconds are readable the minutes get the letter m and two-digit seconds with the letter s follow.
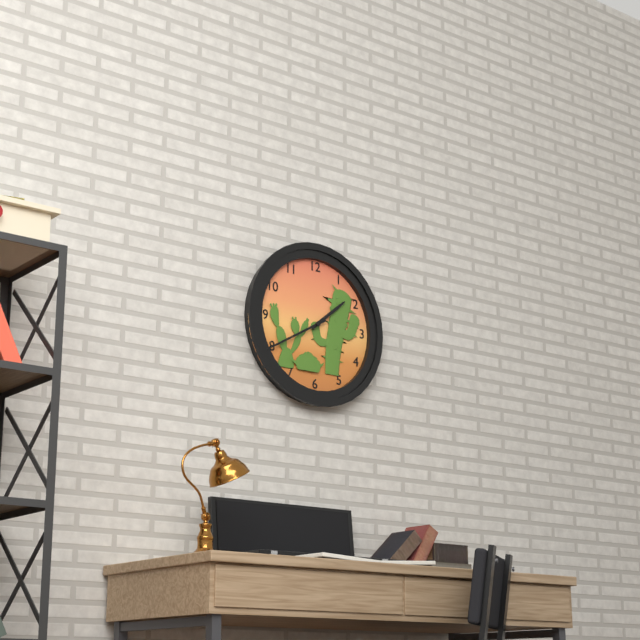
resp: 1h40
